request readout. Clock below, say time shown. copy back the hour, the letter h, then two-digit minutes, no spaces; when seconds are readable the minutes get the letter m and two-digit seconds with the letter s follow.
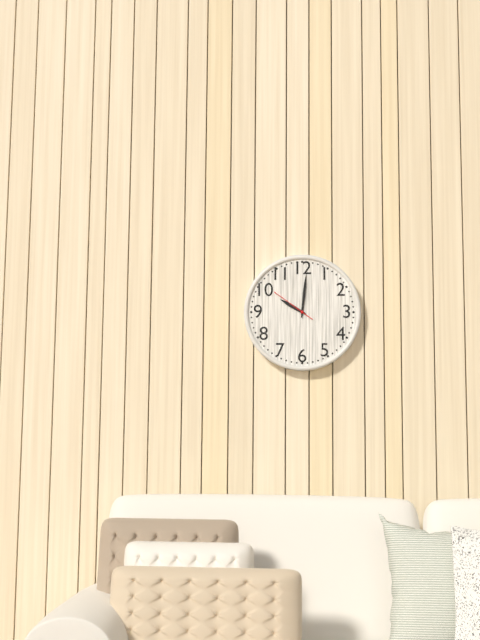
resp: 10h01
